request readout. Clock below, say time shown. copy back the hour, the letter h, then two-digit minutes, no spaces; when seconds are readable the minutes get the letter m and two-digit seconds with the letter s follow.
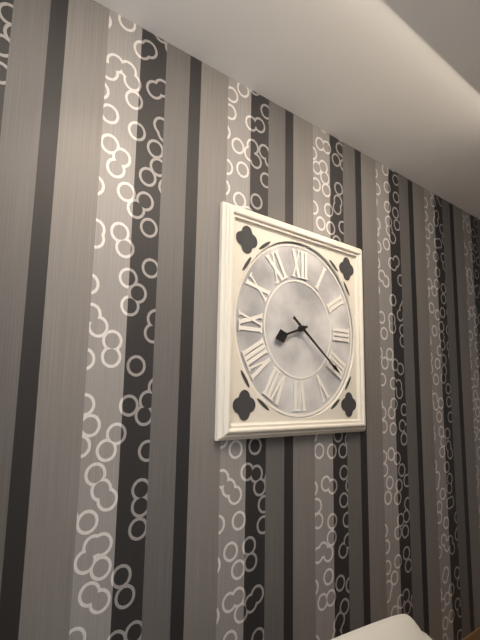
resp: 8h21
